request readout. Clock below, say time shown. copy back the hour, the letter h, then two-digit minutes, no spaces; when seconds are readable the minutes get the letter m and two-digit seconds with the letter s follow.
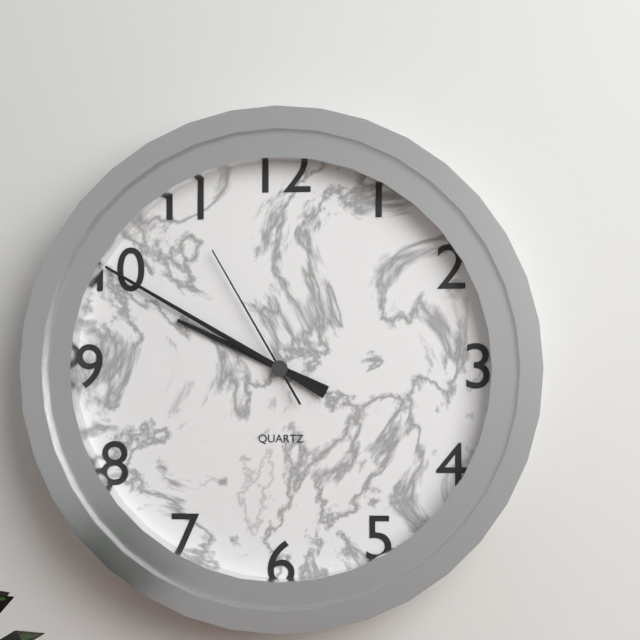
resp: 9h50m55s
